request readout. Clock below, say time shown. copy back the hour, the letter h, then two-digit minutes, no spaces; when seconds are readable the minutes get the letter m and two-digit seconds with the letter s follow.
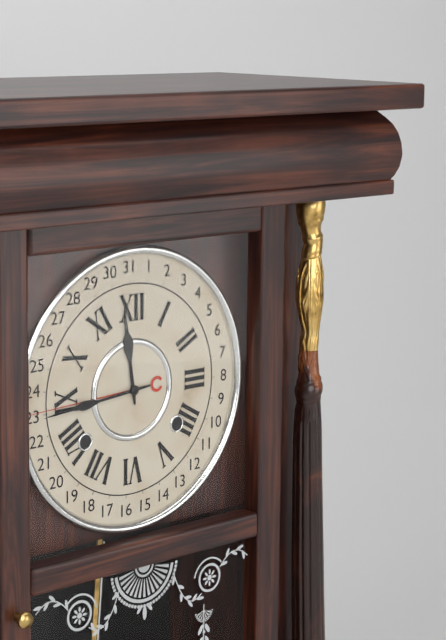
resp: 11h44
